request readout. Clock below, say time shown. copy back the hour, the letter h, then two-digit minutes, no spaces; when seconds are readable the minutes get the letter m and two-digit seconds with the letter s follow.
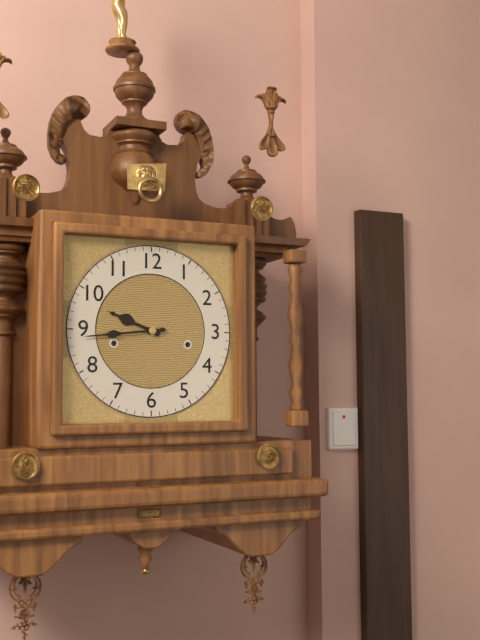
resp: 9h44
